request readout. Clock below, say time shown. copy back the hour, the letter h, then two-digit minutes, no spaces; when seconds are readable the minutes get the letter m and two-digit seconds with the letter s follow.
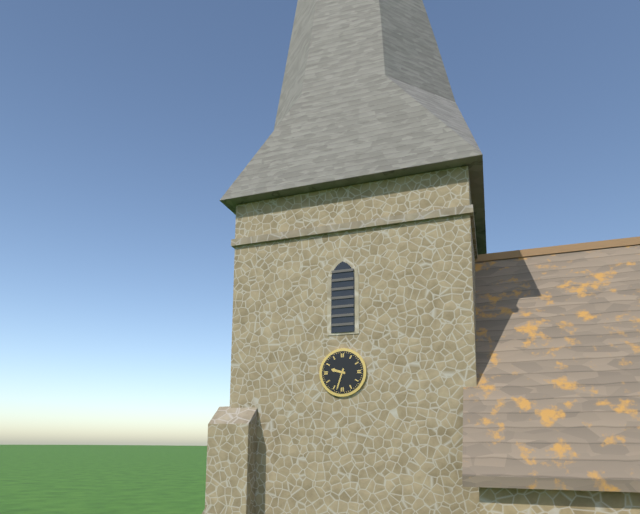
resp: 9h33
